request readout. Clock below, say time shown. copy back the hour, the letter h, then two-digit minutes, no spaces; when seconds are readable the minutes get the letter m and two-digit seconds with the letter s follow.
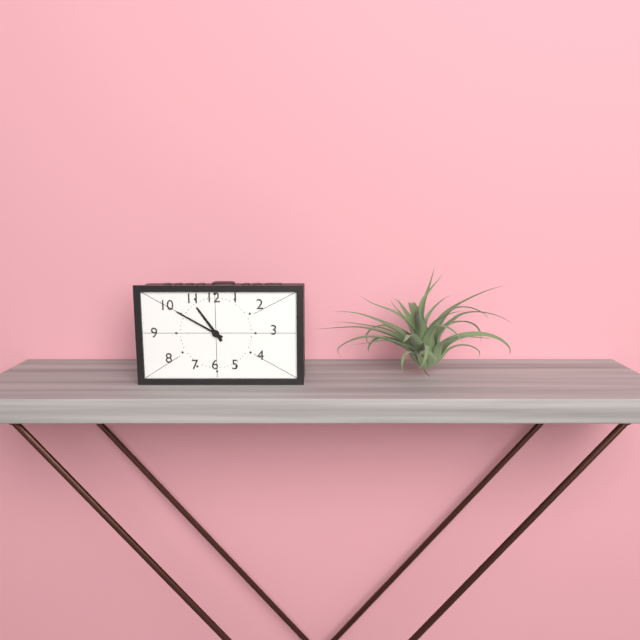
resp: 10h50
